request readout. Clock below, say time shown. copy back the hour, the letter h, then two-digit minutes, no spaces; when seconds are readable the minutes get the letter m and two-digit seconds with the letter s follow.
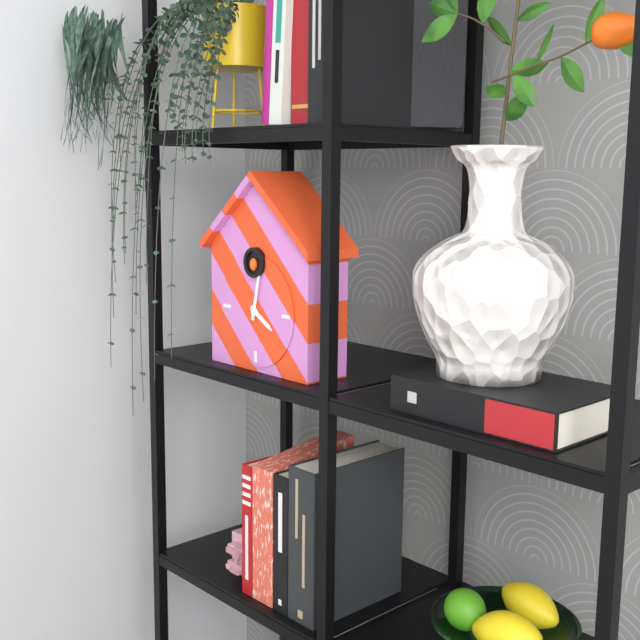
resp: 4h02
